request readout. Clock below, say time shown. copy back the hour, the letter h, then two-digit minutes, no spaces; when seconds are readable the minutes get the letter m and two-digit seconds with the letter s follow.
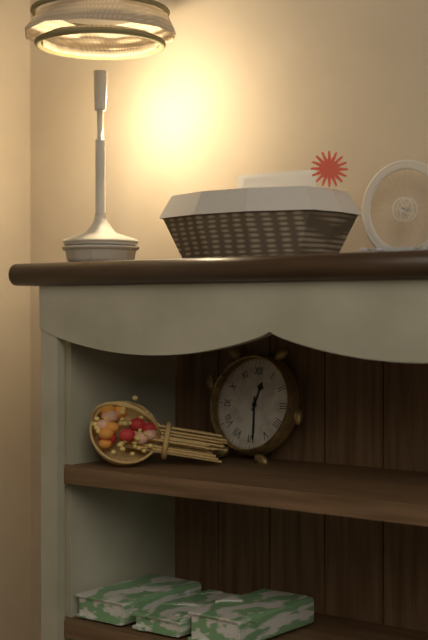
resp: 12h29
